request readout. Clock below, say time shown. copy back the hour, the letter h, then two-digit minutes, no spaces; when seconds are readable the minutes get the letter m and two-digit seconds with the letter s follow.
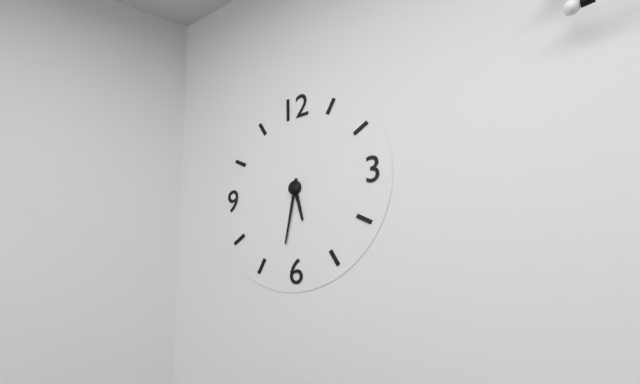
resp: 5h32
